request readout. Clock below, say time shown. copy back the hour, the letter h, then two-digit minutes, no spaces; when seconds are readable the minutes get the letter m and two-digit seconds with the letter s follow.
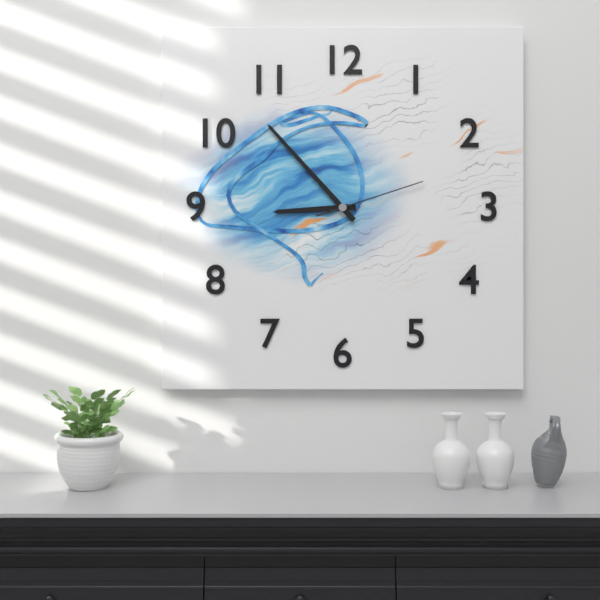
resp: 8h53m12s
